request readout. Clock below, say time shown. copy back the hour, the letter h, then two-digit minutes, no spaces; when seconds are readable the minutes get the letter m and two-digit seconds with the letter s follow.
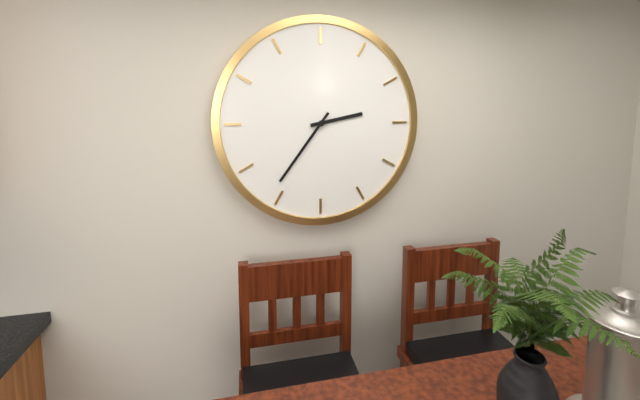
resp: 2h36
